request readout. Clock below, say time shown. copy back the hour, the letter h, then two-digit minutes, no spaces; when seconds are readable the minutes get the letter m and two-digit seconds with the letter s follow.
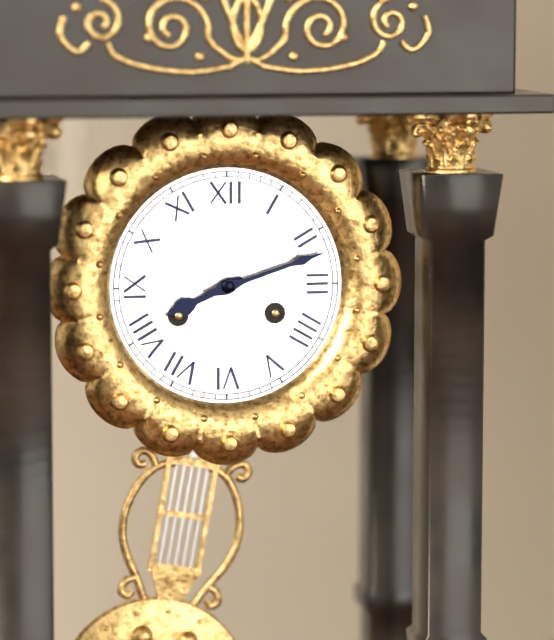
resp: 8h12
